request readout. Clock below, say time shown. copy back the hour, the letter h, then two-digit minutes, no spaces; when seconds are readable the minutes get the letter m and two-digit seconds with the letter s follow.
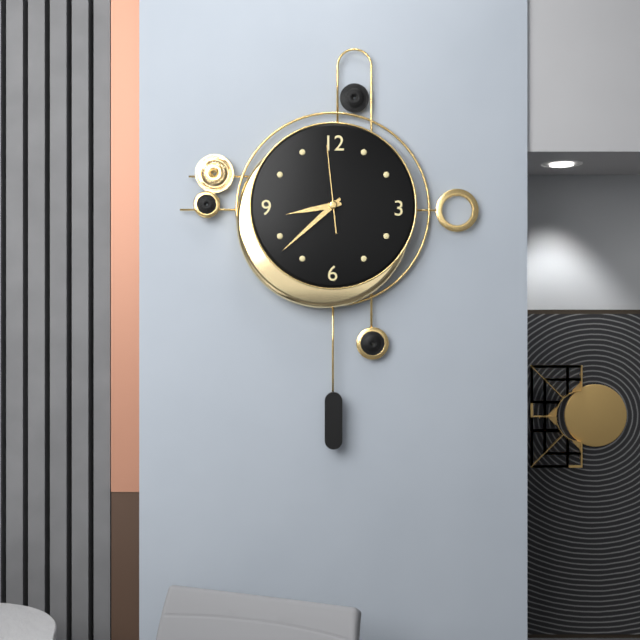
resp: 8h38m59s
